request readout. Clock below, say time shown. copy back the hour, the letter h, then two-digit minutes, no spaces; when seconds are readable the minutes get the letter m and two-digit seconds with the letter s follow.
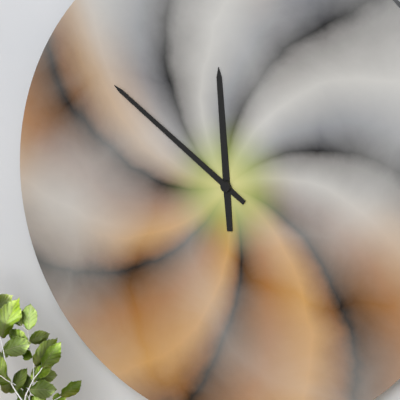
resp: 11h51
